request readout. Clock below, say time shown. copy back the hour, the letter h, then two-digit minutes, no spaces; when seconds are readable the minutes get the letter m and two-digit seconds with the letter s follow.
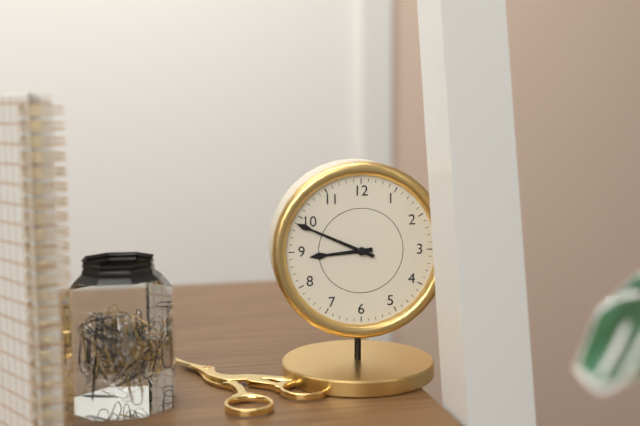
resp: 8h49
